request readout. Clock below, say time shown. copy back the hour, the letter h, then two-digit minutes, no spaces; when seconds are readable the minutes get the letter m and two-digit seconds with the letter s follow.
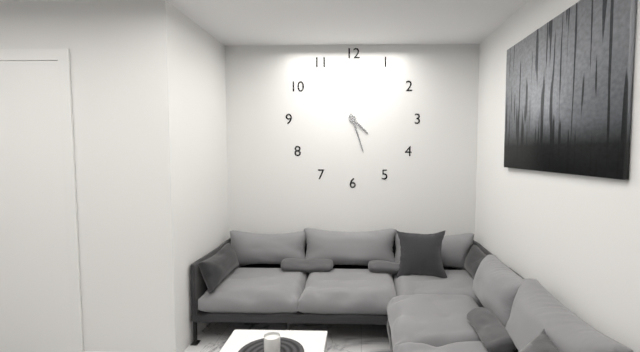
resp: 4h27
